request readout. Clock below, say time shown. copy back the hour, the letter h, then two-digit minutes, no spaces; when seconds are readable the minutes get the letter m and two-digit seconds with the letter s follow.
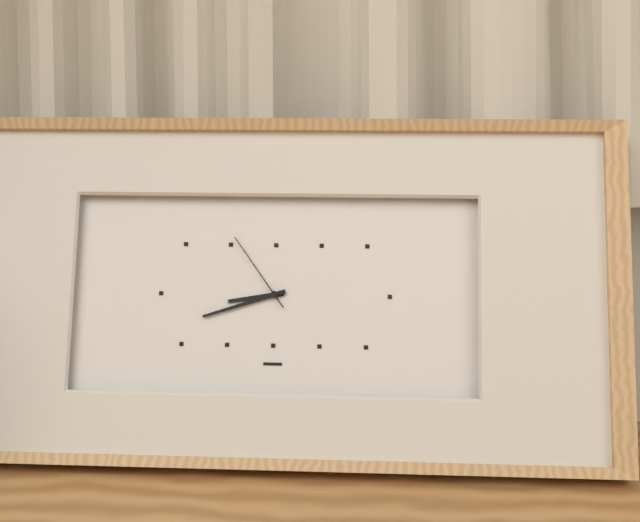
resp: 8h42m54s
